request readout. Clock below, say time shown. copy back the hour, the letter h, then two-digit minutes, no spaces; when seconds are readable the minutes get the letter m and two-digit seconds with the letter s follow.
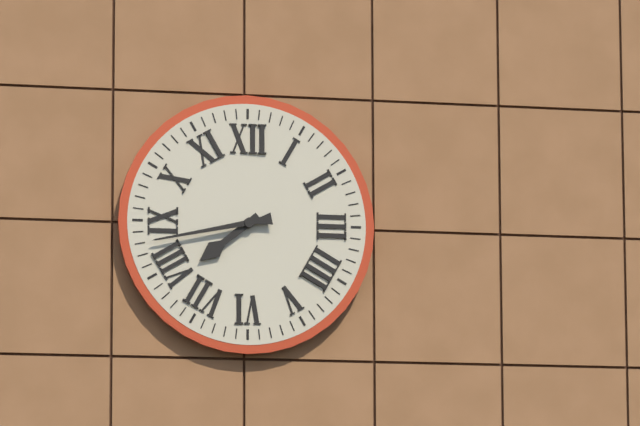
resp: 7h43
